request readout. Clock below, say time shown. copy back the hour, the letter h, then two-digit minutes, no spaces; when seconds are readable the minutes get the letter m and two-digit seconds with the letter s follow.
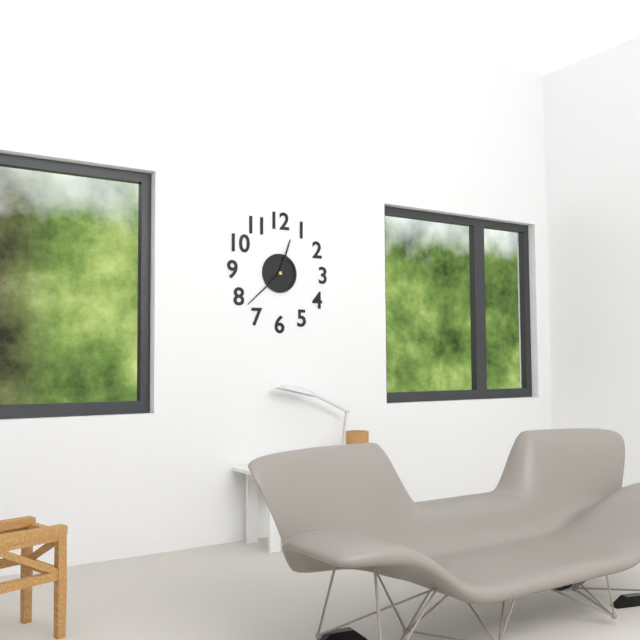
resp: 12h38
